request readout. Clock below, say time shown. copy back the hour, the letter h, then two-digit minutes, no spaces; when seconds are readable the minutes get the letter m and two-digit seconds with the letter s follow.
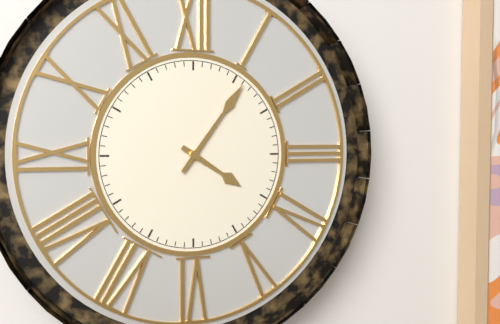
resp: 4h06
